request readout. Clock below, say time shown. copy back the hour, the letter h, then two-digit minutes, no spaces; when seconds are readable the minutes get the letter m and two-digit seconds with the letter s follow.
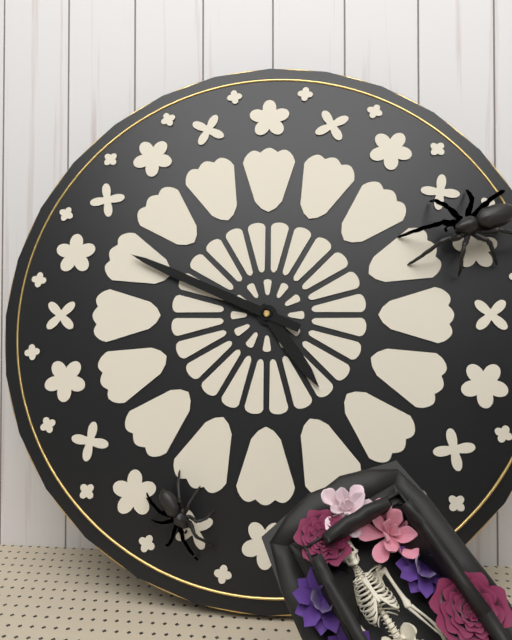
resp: 4h49
